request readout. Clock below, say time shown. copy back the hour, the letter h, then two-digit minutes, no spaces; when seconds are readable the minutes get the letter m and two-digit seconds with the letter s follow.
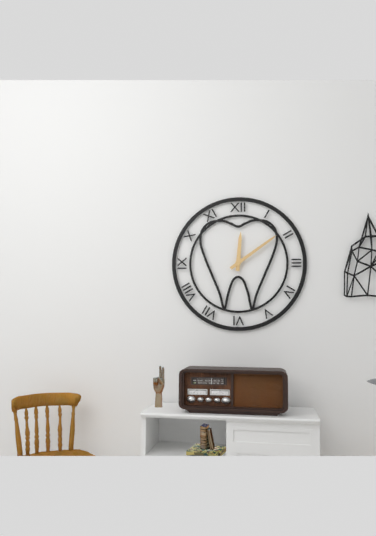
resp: 12h09
